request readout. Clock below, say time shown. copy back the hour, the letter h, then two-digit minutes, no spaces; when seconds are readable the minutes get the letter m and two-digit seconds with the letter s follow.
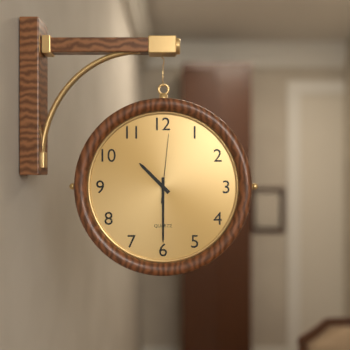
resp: 10h30m01s
